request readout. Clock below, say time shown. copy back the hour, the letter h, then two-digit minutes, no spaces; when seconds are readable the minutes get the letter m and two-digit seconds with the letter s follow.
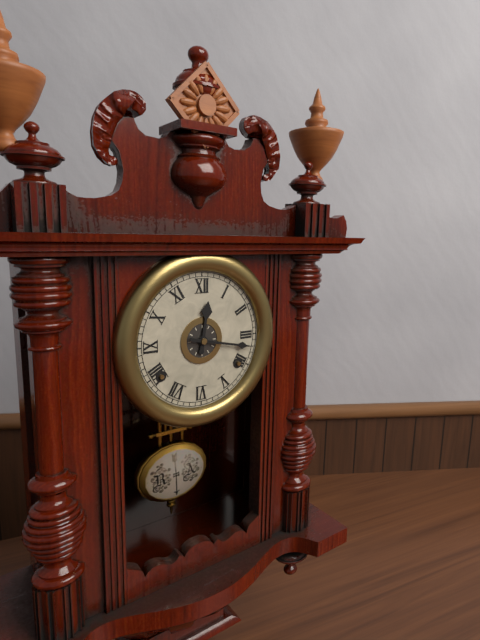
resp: 12h17
